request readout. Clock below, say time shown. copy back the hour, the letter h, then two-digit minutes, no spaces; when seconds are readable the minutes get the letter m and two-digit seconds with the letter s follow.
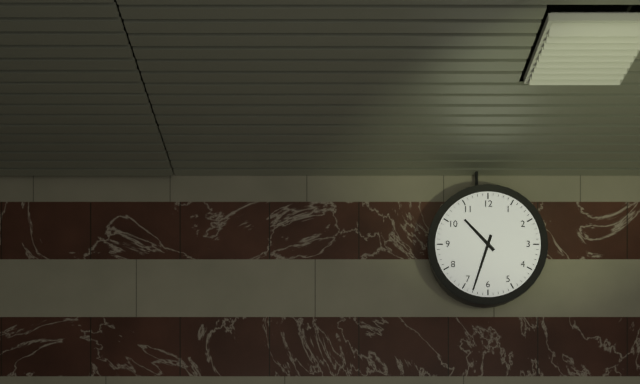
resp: 10h33
